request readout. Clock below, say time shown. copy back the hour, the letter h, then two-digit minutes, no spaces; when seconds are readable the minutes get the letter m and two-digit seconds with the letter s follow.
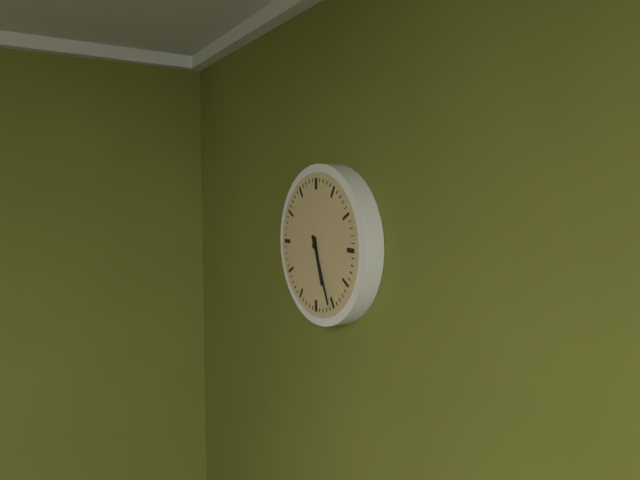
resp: 5h26
